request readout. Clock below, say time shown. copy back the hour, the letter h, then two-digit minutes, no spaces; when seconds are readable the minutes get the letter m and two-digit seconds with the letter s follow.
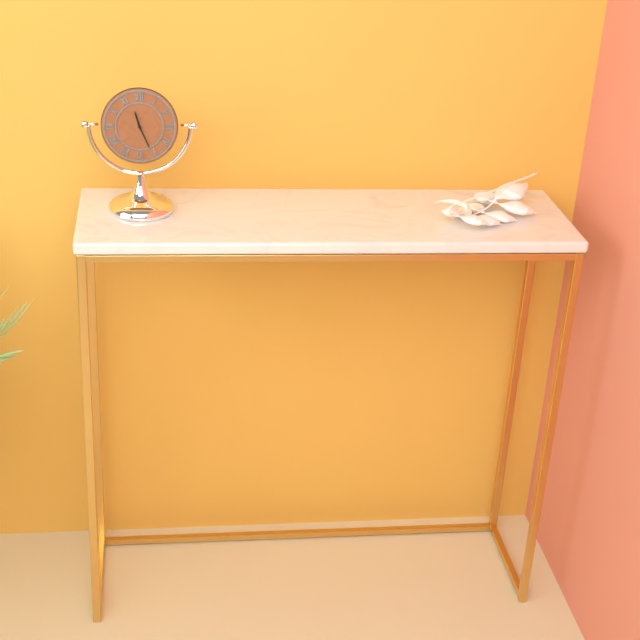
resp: 11h26
